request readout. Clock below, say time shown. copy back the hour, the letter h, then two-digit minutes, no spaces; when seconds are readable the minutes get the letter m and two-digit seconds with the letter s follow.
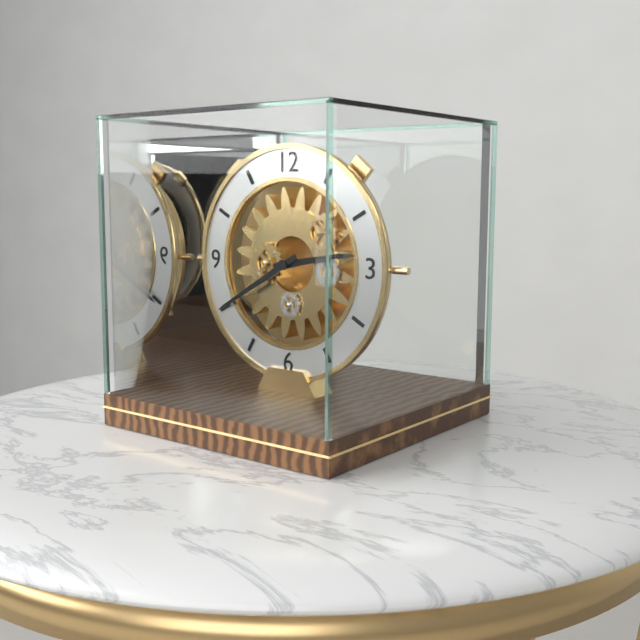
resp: 2h40
